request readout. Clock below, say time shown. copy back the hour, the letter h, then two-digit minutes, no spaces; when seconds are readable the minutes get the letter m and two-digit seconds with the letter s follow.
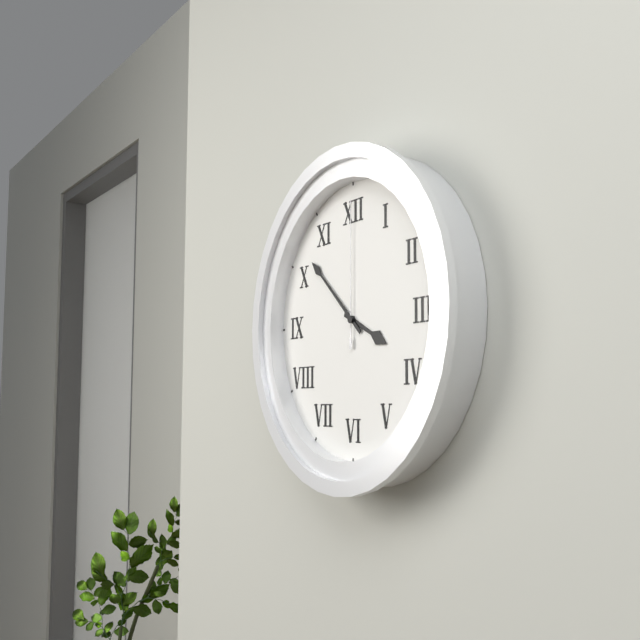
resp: 3h52m00s
